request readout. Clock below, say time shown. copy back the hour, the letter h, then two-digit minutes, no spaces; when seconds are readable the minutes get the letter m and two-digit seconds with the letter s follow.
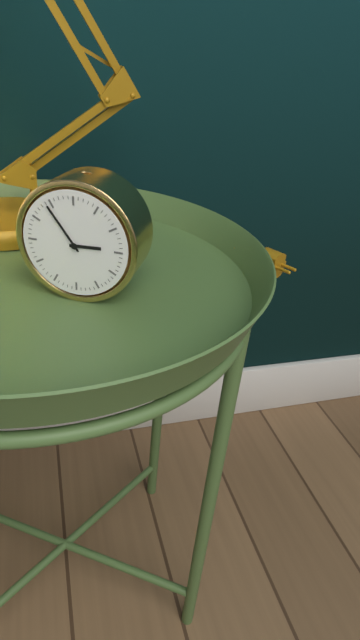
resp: 2h54
